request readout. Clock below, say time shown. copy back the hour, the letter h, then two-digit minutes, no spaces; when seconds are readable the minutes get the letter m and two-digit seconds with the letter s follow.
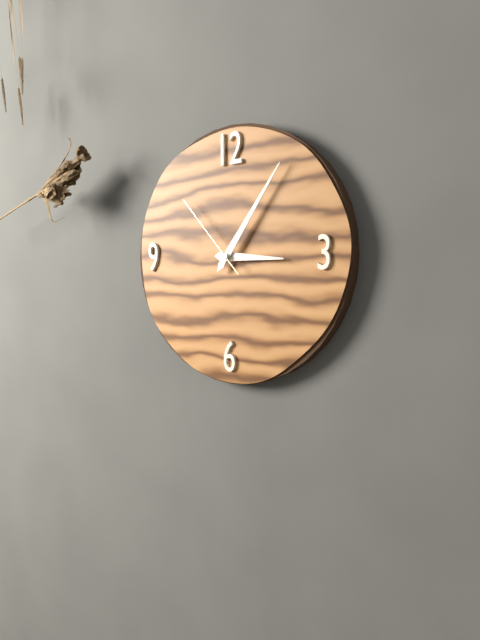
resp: 3h06m53s
